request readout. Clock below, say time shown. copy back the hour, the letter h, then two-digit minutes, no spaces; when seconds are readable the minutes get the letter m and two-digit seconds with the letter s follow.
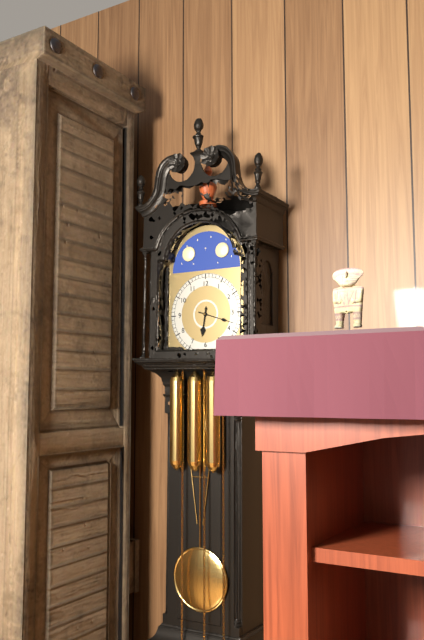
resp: 6h18
